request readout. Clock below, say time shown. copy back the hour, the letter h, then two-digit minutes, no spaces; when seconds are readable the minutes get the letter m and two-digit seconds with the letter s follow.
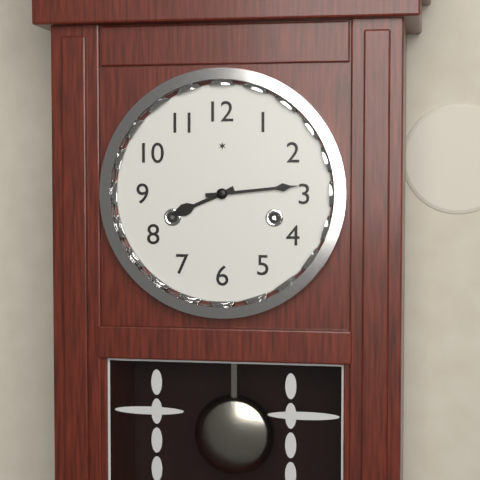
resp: 8h14
